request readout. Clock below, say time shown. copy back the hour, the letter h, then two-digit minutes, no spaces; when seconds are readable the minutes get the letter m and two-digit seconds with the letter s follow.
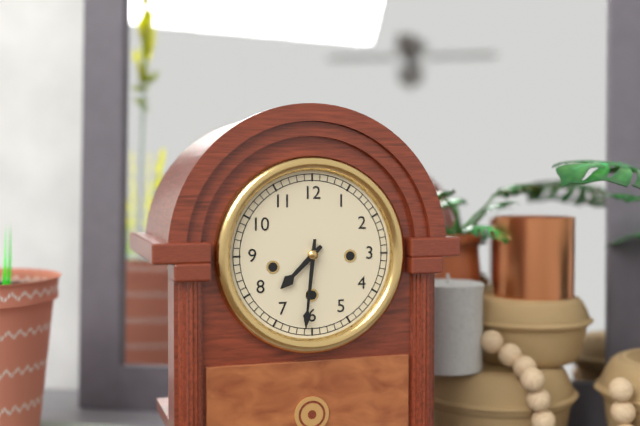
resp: 7h31
